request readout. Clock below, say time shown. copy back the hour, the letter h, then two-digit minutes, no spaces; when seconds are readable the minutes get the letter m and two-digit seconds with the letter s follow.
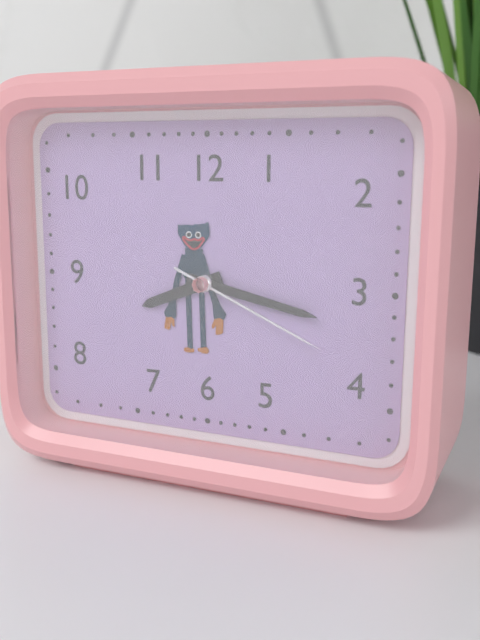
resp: 8h17m19s
